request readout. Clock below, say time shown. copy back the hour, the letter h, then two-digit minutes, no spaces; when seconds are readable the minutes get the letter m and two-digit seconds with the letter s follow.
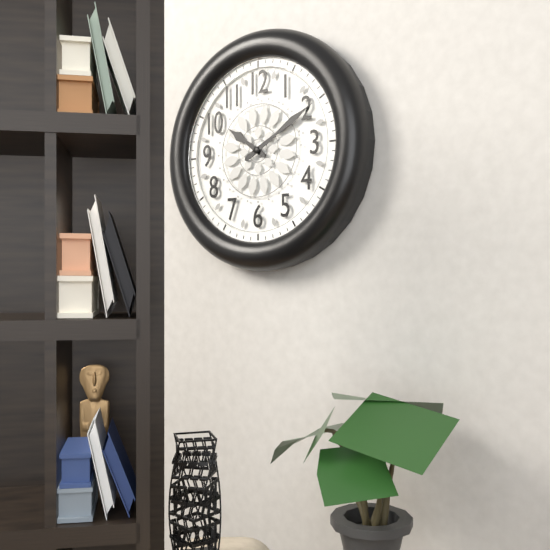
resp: 10h10
